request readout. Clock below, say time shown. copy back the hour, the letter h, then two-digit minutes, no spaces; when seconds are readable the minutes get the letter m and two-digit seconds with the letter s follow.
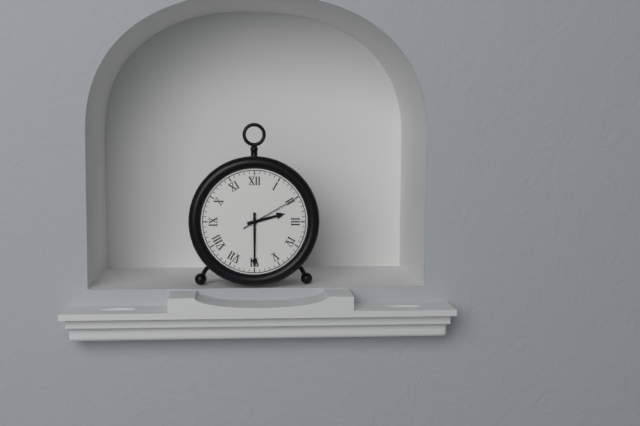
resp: 2h30m10s
